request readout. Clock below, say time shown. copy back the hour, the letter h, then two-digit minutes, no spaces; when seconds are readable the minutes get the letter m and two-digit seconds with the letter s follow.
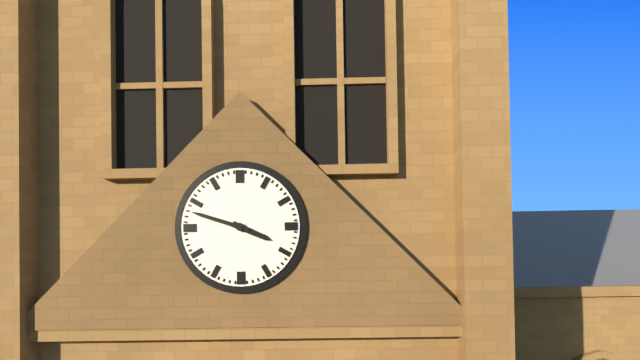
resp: 3h48
